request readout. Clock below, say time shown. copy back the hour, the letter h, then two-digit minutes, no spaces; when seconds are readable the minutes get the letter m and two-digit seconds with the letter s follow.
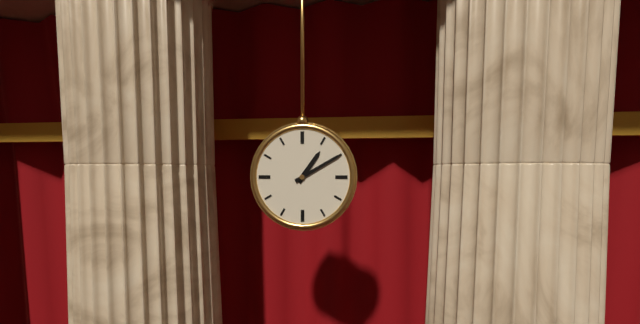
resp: 1h10
